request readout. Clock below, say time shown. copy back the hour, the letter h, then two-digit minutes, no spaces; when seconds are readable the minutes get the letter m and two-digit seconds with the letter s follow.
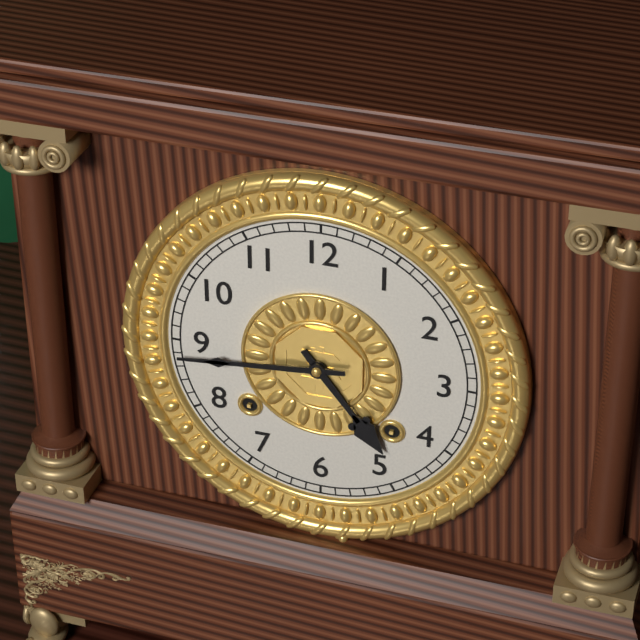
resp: 4h44
